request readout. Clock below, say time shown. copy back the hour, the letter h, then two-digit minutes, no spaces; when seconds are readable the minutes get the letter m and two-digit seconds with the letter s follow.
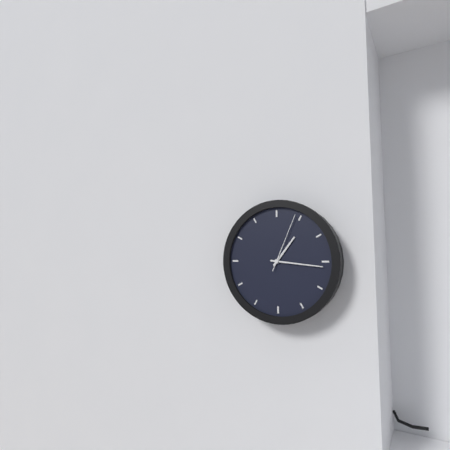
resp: 1h16m04s
